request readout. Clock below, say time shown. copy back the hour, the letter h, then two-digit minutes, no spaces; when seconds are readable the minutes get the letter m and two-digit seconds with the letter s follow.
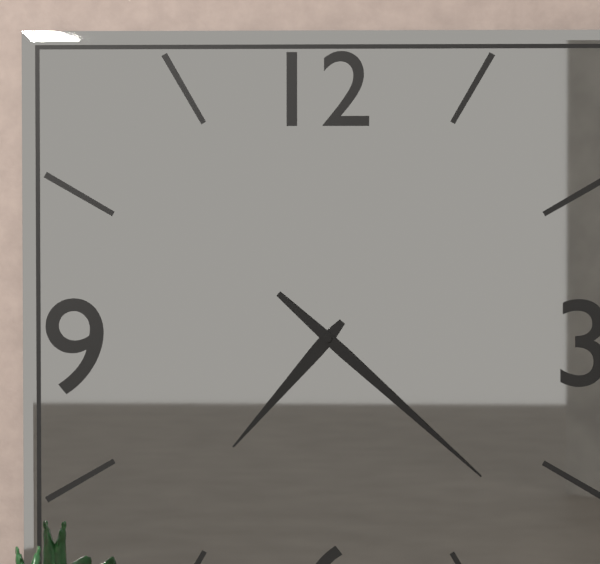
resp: 7h22
